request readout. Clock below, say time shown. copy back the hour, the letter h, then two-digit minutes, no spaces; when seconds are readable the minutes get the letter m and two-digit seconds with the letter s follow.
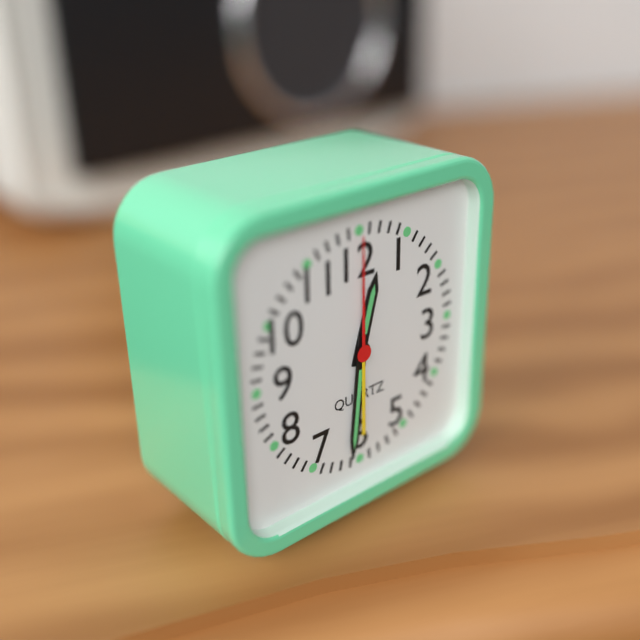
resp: 12h31m00s
